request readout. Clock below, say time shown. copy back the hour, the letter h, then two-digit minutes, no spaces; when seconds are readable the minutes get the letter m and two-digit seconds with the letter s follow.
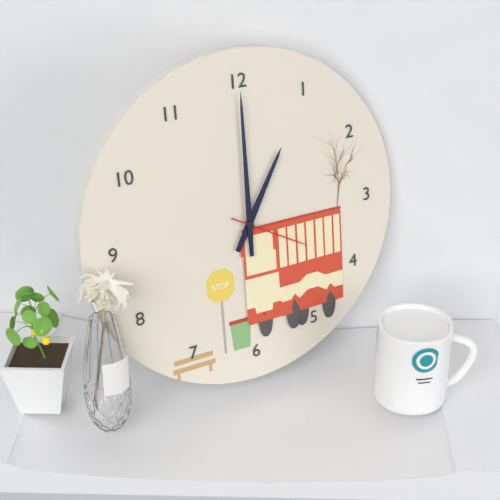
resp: 1h00m20s
